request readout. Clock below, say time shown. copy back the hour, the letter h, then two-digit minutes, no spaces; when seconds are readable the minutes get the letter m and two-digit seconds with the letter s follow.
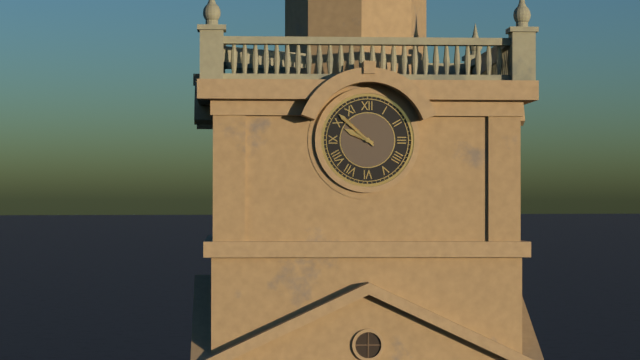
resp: 9h52
